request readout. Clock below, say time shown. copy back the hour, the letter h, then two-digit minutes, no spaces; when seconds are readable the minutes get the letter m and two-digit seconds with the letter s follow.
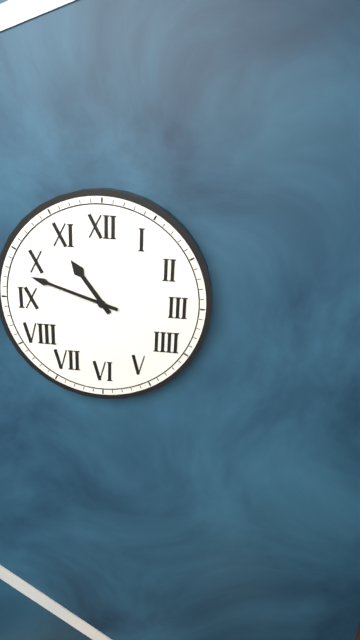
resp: 10h48
